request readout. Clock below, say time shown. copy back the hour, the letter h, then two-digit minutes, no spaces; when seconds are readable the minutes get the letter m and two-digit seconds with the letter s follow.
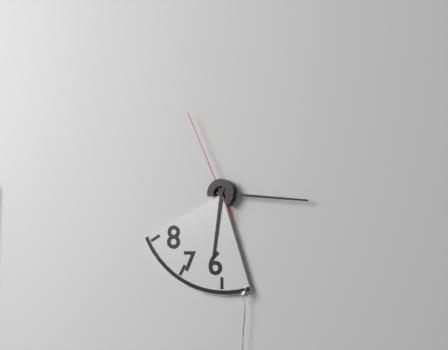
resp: 6h16m56s
